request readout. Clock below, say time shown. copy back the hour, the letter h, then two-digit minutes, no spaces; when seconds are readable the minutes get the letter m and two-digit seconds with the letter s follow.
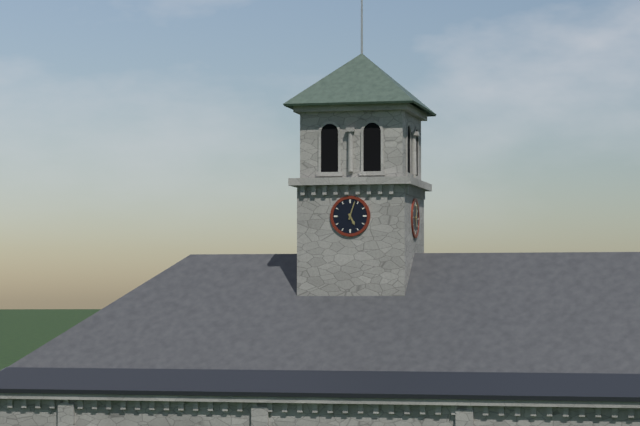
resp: 5h03
